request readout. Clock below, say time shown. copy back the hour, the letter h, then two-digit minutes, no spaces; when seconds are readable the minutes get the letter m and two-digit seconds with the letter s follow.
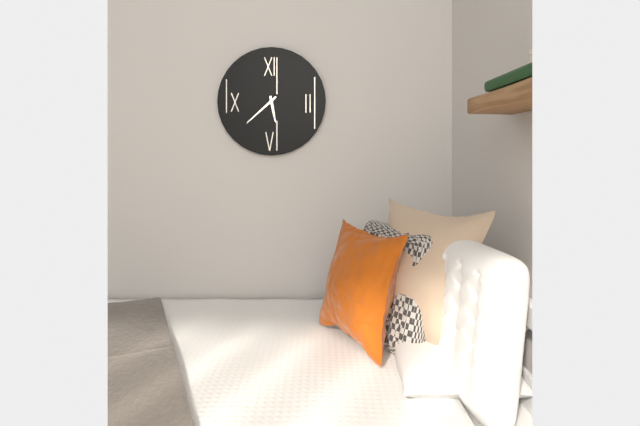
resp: 5h38
